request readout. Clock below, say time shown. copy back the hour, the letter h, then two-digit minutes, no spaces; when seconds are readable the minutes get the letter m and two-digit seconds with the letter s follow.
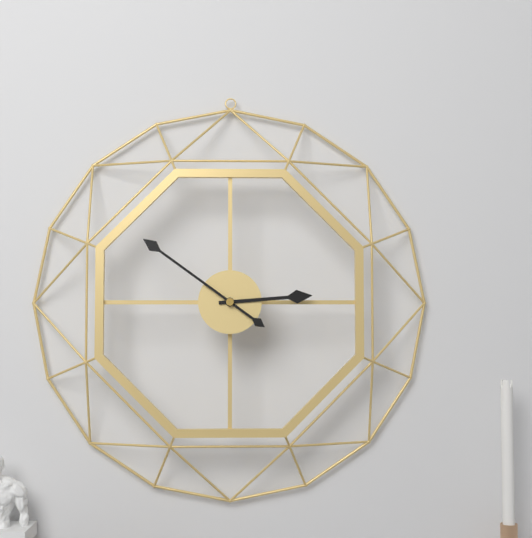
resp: 2h51
